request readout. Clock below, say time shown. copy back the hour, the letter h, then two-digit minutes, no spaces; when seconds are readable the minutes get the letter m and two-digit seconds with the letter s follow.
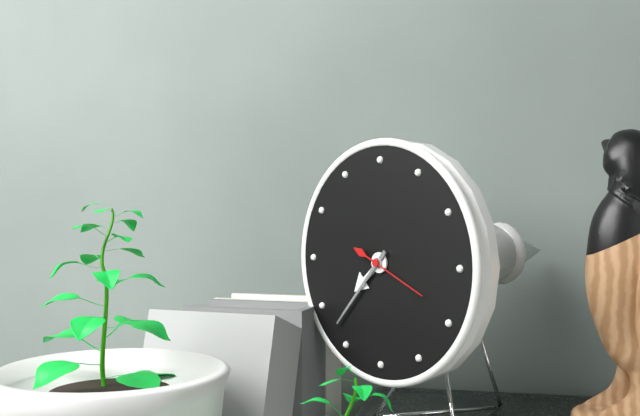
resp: 7h37m19s
